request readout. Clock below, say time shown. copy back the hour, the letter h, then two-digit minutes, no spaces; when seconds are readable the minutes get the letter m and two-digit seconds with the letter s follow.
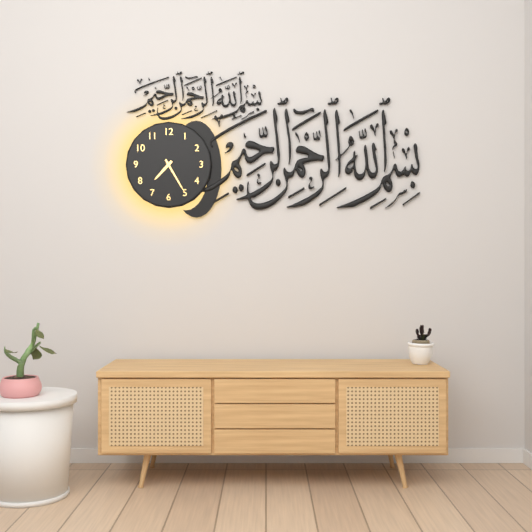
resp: 7h25
